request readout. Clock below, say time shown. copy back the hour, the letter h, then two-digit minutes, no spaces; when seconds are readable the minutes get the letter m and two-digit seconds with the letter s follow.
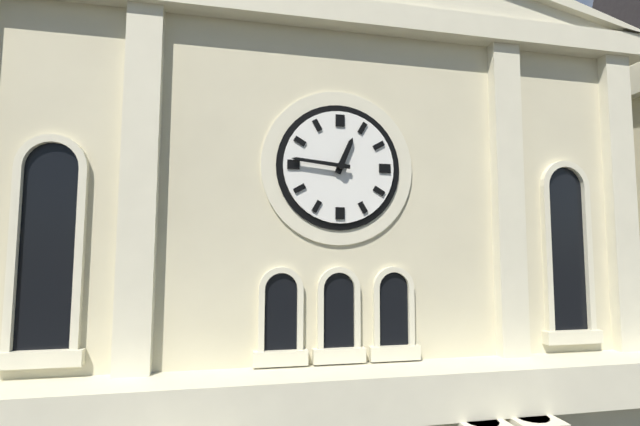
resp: 12h46
